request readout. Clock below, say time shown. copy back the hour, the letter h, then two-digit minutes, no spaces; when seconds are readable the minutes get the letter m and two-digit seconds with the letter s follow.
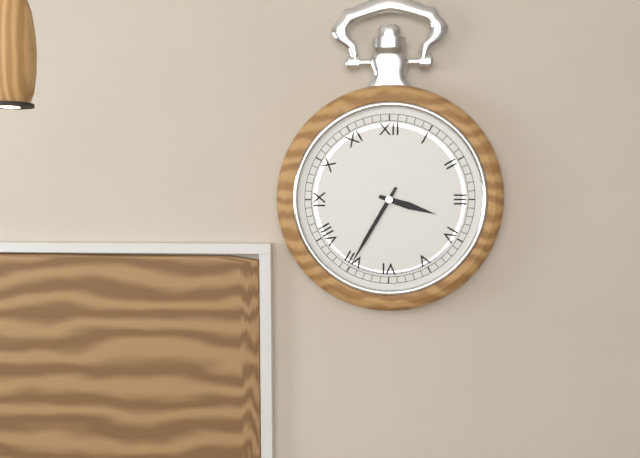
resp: 3h35
